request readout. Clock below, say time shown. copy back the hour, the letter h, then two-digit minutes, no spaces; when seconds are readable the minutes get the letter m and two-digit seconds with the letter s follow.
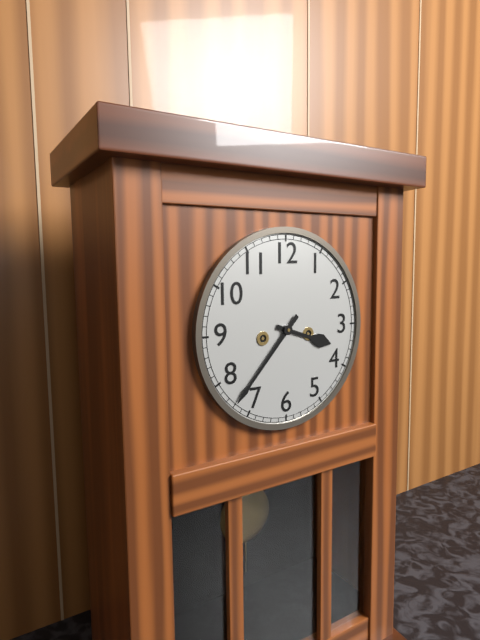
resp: 3h37
